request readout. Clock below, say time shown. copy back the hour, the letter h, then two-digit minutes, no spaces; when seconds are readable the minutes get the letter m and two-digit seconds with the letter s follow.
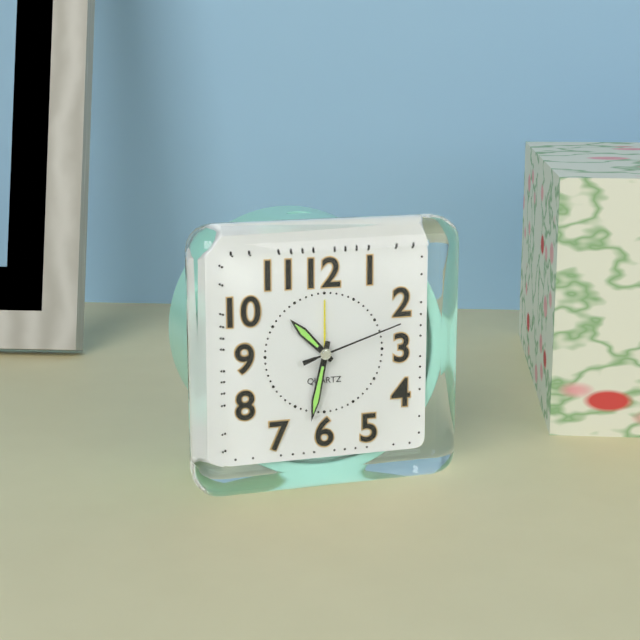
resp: 10h32m12s
